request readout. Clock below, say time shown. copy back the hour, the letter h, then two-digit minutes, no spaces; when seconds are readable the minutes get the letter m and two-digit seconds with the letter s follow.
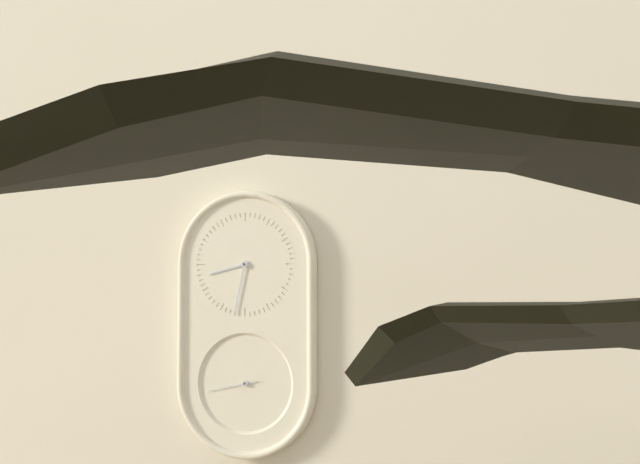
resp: 8h32
